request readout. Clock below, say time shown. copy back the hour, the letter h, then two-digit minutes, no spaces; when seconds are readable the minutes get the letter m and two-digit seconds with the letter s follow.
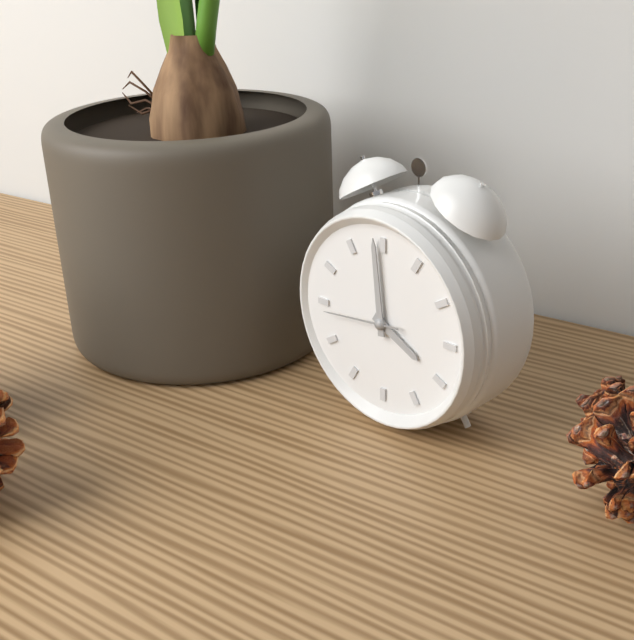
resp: 3h59m44s
